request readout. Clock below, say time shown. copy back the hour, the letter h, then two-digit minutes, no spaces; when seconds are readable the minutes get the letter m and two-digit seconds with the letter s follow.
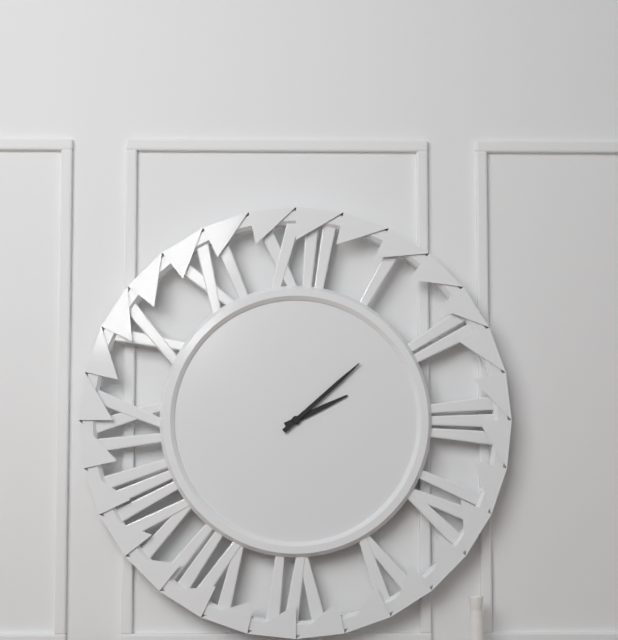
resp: 2h08
